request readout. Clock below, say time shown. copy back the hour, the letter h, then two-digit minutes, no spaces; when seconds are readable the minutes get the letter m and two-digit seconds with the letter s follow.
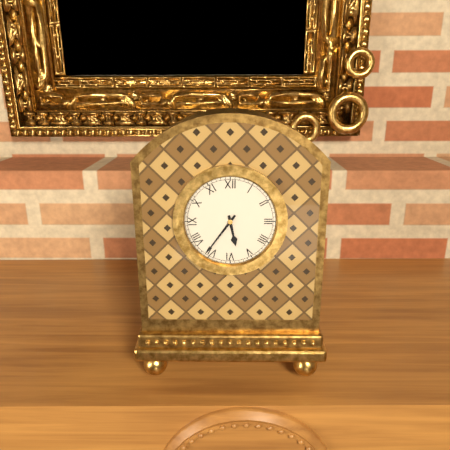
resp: 5h36
